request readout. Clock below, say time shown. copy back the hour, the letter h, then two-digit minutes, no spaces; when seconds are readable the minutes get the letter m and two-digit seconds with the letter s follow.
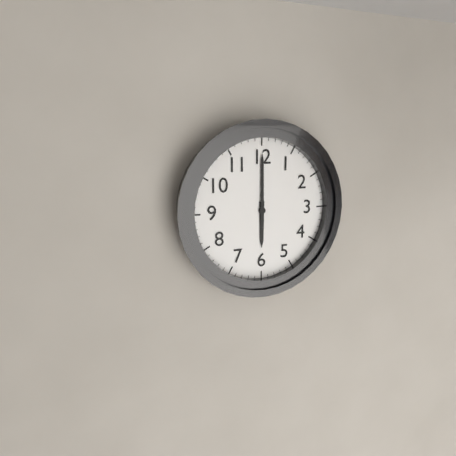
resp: 6h00
